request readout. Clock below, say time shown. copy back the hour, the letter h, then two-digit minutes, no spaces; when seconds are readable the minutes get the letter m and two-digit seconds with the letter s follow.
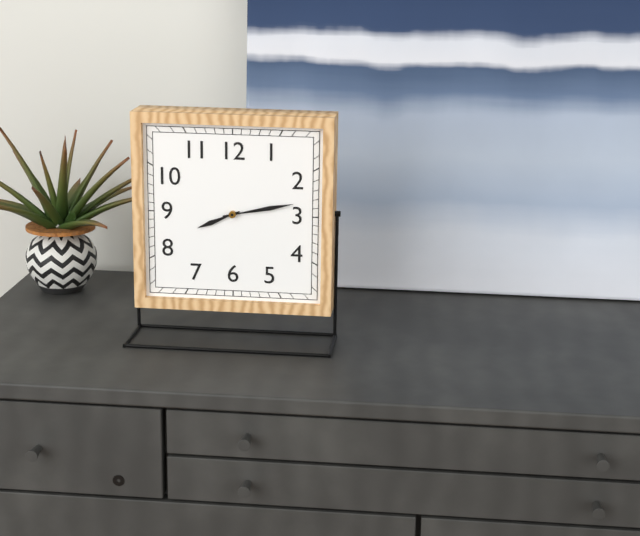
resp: 8h13
